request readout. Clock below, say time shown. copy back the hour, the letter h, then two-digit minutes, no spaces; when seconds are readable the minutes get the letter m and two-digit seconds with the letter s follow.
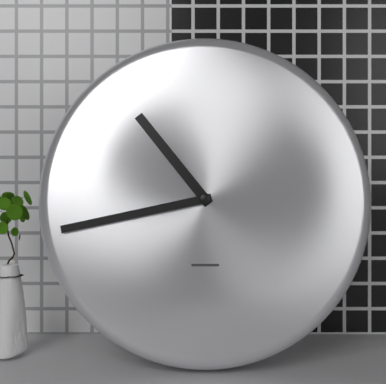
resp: 10h43
